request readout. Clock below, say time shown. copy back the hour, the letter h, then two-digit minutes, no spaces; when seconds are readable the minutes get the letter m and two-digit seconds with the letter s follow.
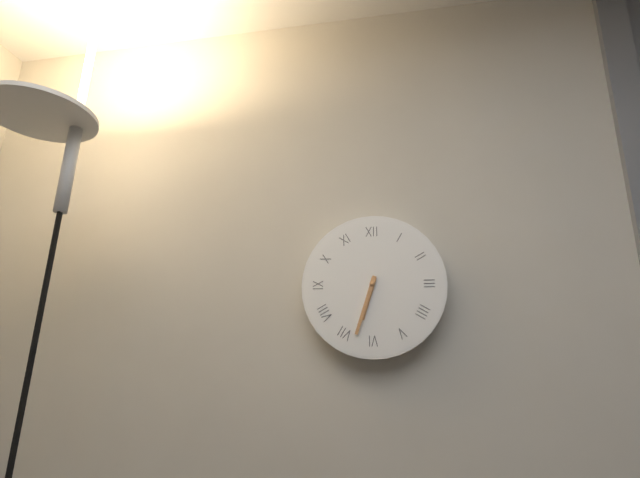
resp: 6h33
